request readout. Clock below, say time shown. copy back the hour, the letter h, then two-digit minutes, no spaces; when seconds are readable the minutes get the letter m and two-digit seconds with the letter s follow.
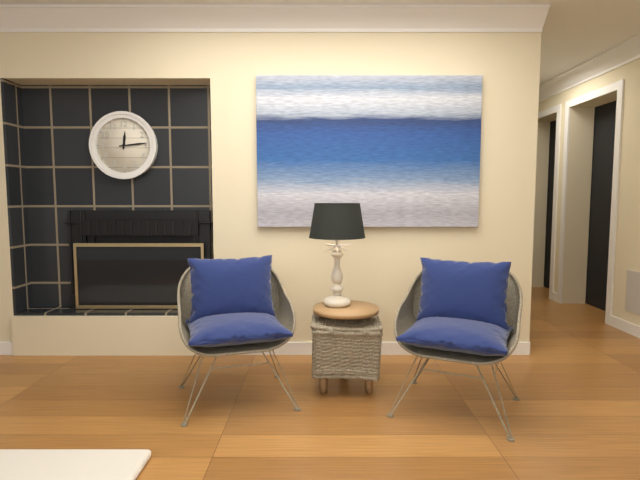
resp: 12h14
